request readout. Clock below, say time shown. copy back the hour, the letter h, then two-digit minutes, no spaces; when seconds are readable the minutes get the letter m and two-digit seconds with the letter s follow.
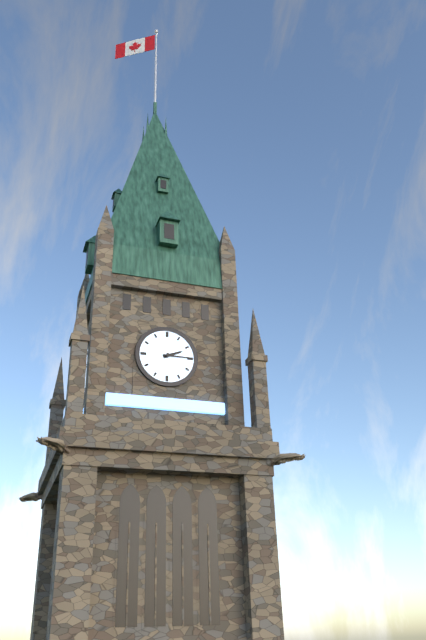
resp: 2h15
